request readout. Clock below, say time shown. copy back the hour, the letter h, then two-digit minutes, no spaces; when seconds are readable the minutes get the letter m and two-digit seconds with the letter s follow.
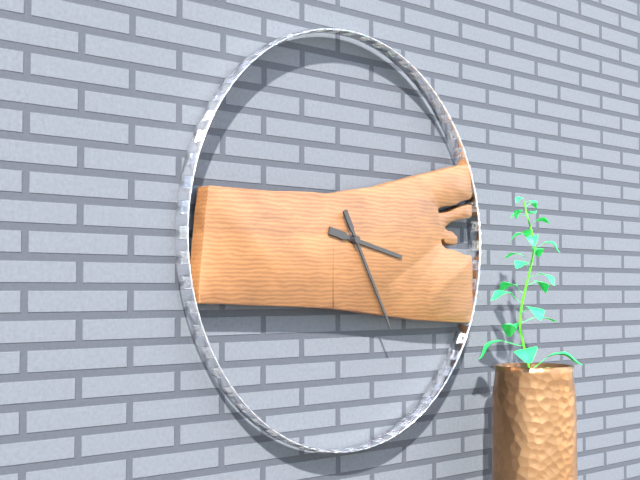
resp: 3h25
